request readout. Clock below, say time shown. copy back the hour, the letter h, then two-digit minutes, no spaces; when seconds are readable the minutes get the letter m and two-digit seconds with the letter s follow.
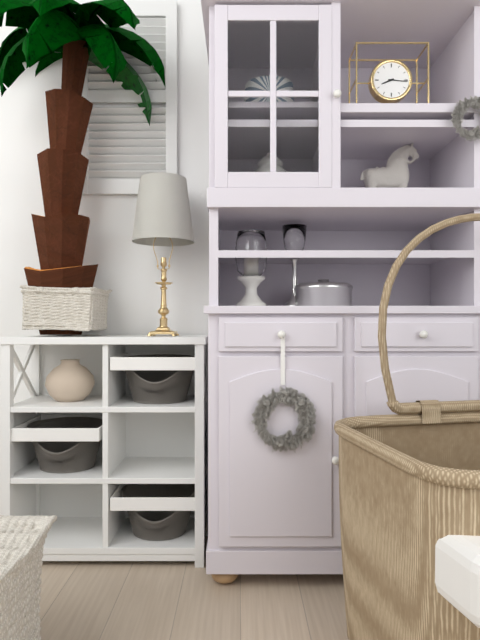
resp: 8h16
